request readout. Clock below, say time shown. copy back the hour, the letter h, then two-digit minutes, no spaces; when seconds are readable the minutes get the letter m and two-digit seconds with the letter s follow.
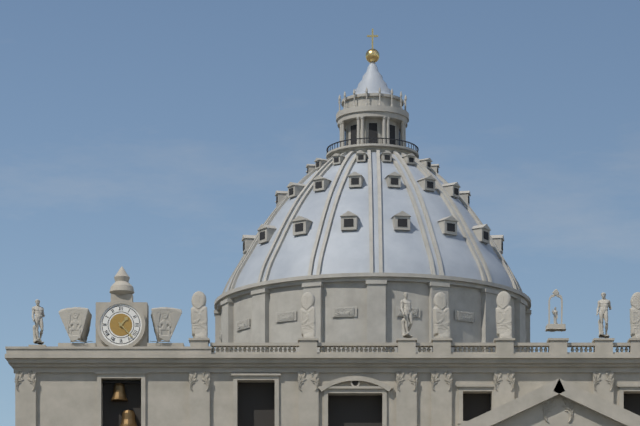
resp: 1h23
